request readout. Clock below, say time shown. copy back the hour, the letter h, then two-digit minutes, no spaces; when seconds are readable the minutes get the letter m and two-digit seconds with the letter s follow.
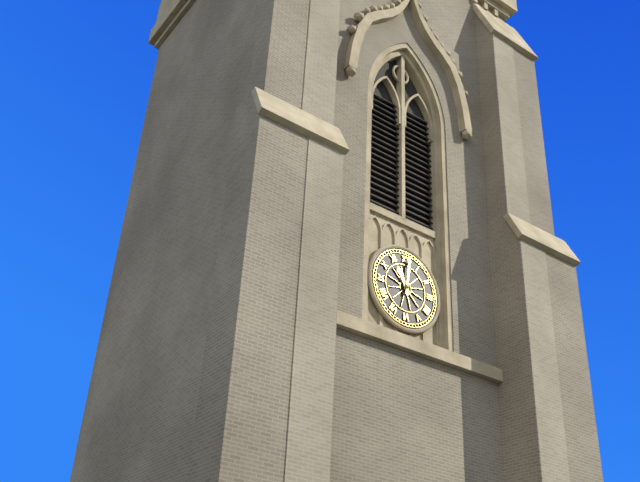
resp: 11h01
